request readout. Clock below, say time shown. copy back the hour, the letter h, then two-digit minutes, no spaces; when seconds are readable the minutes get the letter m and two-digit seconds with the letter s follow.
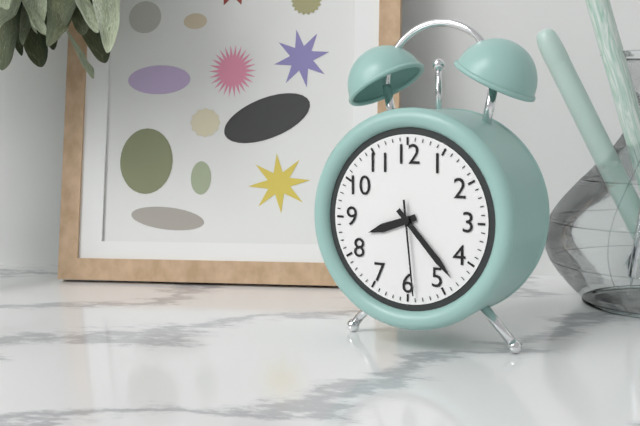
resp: 8h23m29s
